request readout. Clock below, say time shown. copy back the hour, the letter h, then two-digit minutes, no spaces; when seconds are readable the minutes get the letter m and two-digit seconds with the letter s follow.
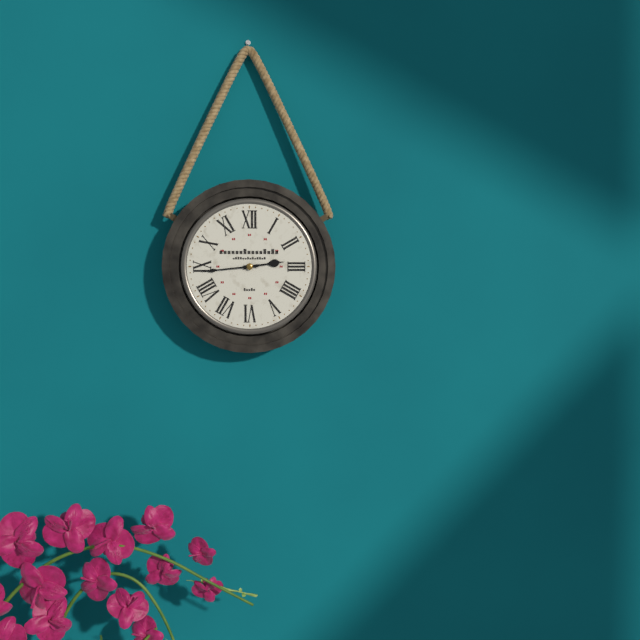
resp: 2h44
